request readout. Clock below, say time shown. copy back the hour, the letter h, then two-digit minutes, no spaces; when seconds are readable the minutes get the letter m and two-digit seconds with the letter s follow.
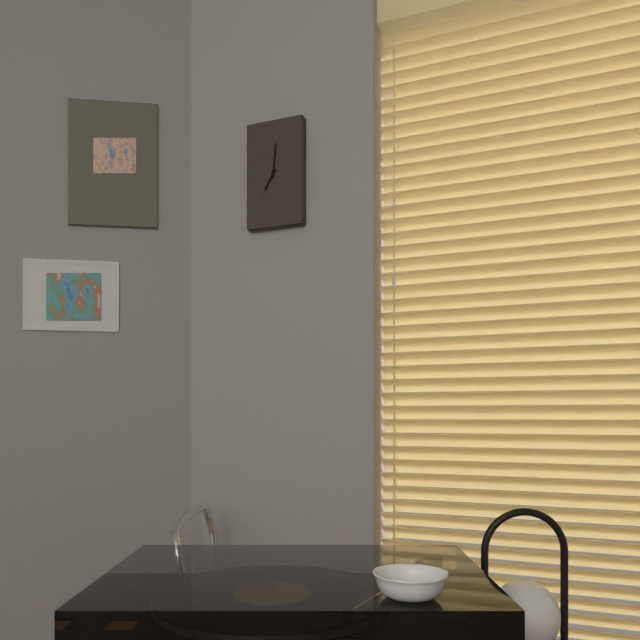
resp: 7h01
